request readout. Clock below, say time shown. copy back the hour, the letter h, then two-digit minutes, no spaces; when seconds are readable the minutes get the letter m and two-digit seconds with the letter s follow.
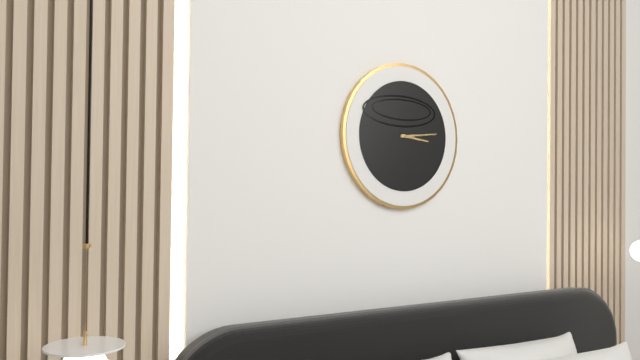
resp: 3h14
